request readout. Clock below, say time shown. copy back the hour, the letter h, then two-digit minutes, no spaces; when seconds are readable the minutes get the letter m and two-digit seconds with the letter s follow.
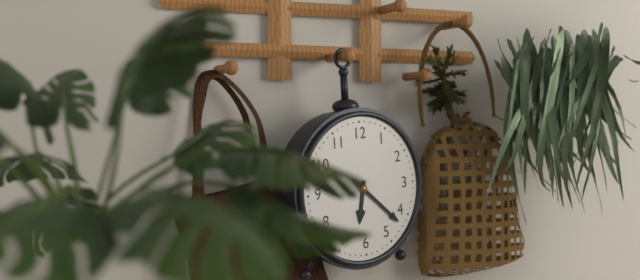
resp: 6h22
